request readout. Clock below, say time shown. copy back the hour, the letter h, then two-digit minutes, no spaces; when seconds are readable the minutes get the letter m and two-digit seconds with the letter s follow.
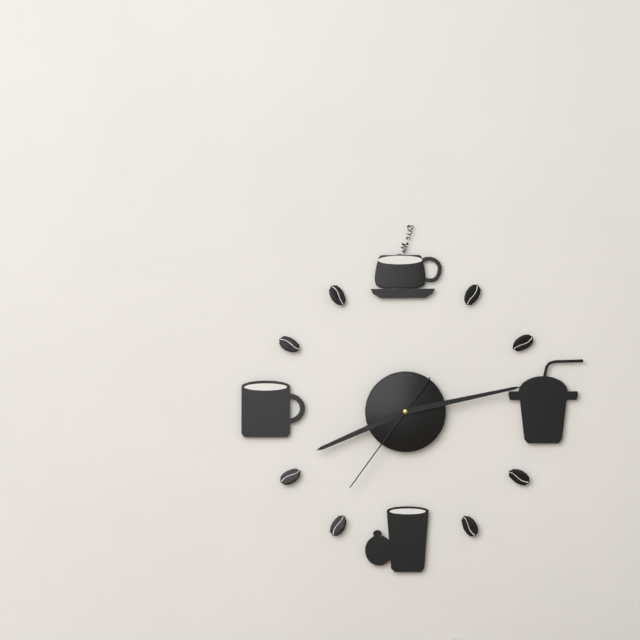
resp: 8h13m36s
